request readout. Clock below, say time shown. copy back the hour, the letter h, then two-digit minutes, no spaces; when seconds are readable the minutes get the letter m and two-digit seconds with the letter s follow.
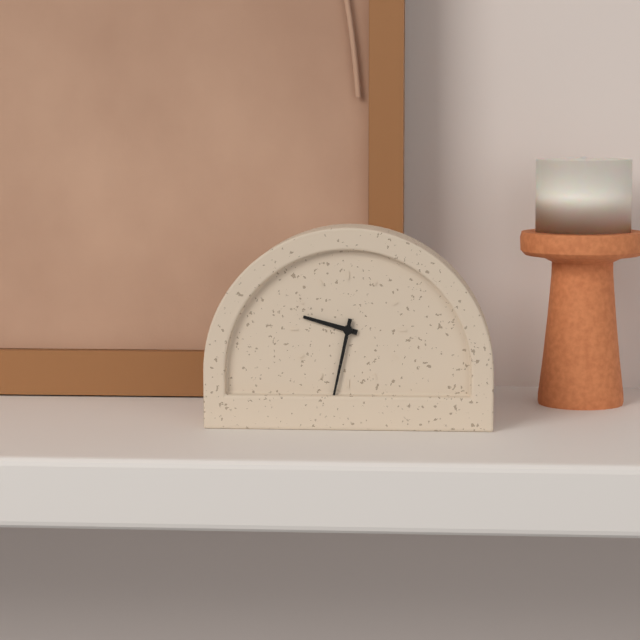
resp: 9h32
